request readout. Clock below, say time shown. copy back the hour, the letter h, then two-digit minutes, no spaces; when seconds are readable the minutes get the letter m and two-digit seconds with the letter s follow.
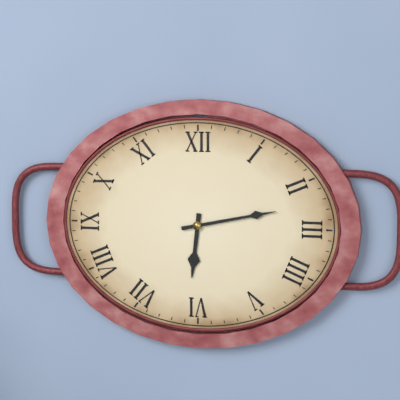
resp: 6h13
